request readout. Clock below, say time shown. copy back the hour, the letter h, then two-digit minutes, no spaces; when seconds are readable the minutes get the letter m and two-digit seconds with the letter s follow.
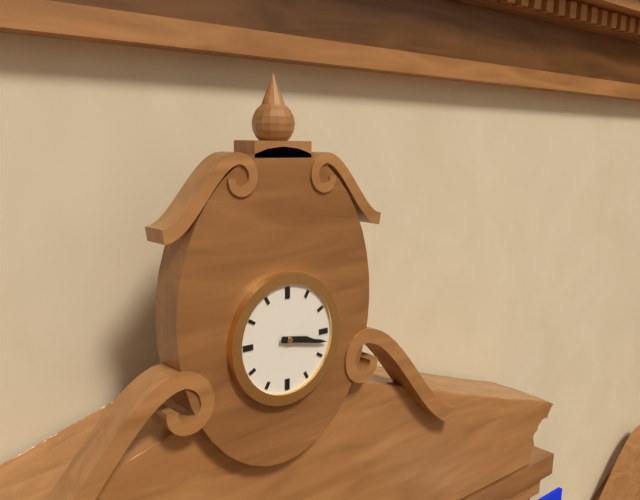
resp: 3h17
